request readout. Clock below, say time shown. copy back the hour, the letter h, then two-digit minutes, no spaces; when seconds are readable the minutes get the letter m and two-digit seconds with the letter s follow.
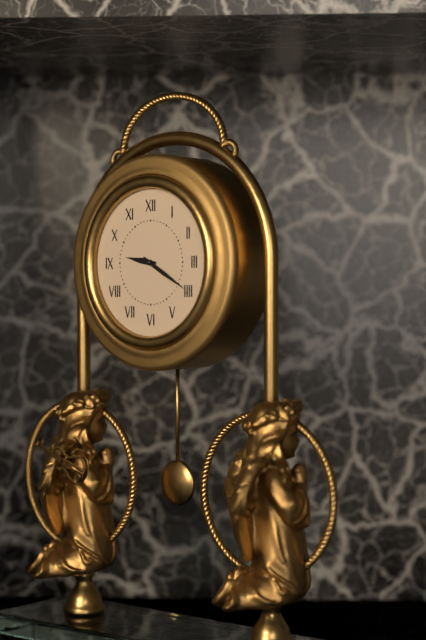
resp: 9h20
